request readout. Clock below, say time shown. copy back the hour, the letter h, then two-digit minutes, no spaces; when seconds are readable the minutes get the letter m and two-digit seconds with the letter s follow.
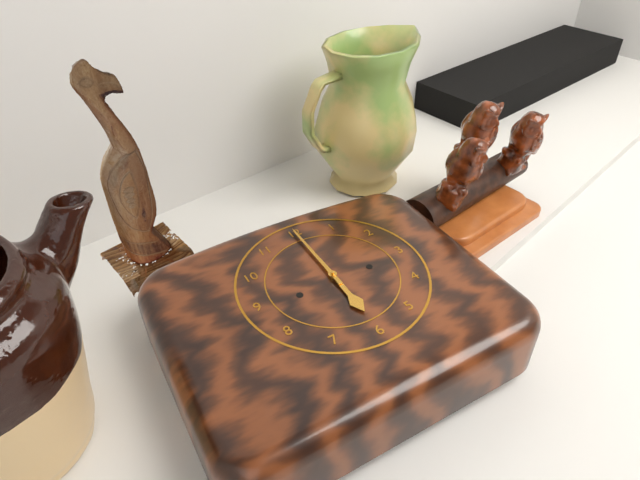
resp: 6h00
